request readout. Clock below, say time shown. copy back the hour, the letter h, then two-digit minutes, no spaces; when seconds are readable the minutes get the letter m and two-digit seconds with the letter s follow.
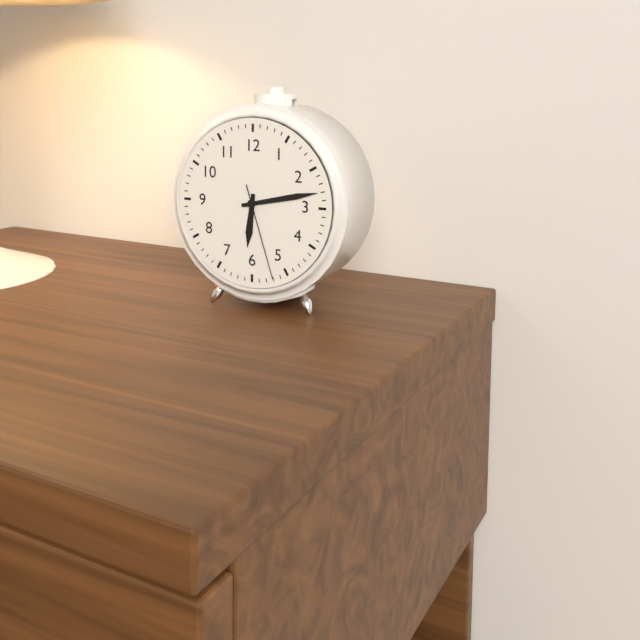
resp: 6h13m27s
